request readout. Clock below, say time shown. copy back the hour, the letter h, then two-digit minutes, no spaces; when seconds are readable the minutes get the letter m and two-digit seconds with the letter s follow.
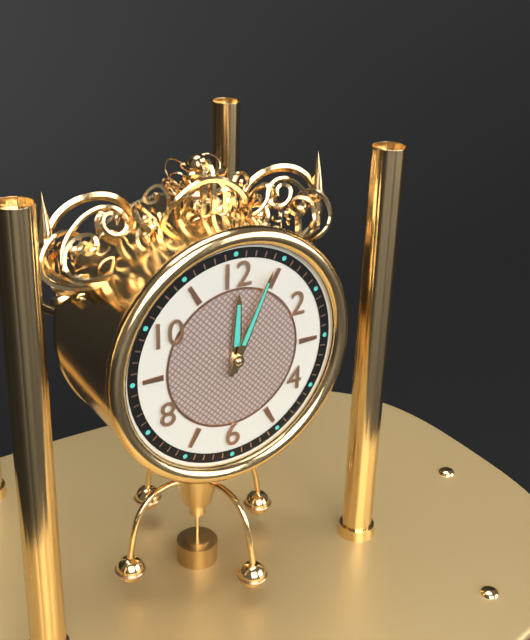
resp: 12h04
